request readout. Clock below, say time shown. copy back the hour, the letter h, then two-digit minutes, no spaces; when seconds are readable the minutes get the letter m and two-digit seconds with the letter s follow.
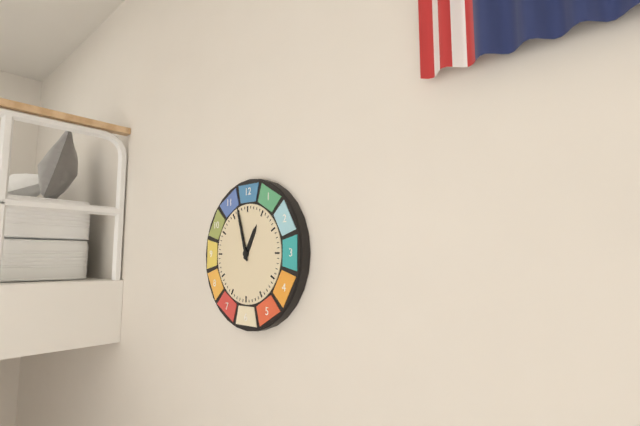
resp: 12h57
